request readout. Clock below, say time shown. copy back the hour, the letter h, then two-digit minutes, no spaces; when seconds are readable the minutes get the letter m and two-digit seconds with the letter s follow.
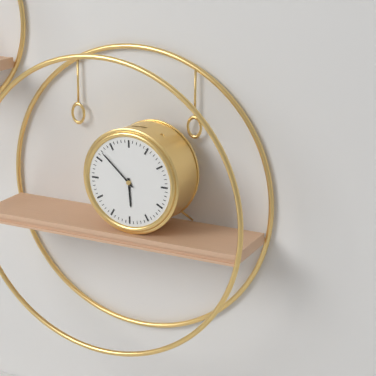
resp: 5h52
